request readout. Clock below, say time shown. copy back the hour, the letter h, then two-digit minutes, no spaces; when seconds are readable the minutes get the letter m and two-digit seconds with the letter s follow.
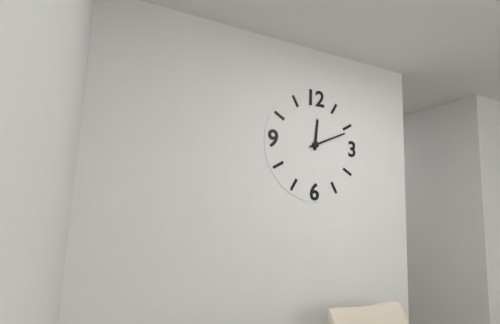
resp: 12h11
